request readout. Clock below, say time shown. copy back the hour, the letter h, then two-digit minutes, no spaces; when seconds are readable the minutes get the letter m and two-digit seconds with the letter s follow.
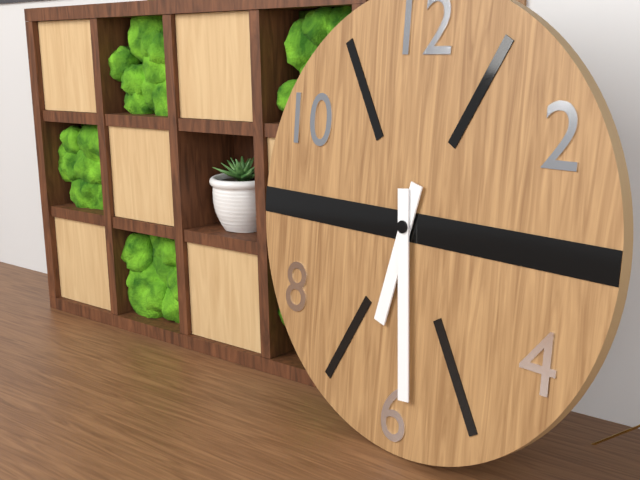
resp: 6h29
